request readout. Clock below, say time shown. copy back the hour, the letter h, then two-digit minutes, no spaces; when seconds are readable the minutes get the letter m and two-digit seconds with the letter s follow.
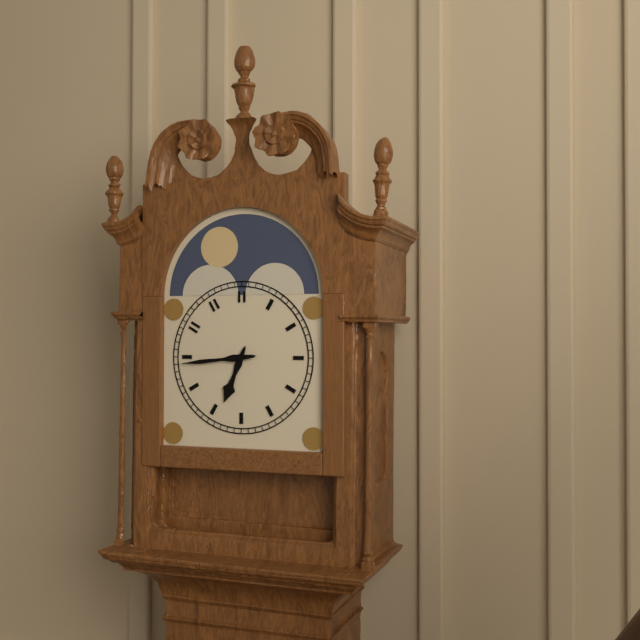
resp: 6h44
